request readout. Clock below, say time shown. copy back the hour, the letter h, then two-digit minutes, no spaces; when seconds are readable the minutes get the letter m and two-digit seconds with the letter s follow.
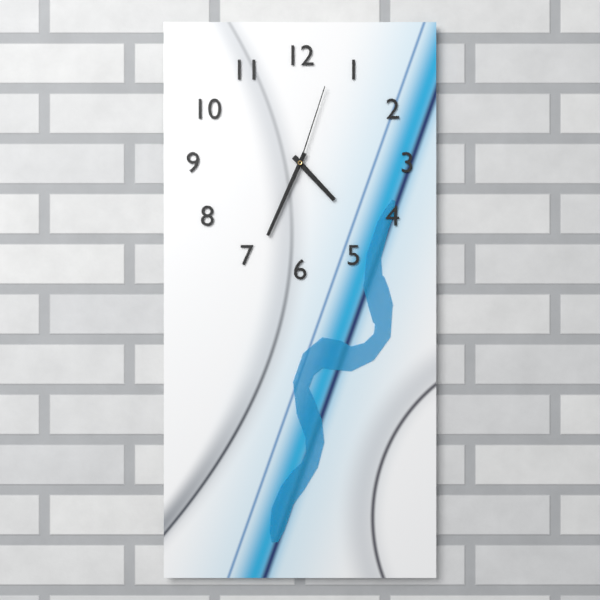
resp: 4h34m03s
